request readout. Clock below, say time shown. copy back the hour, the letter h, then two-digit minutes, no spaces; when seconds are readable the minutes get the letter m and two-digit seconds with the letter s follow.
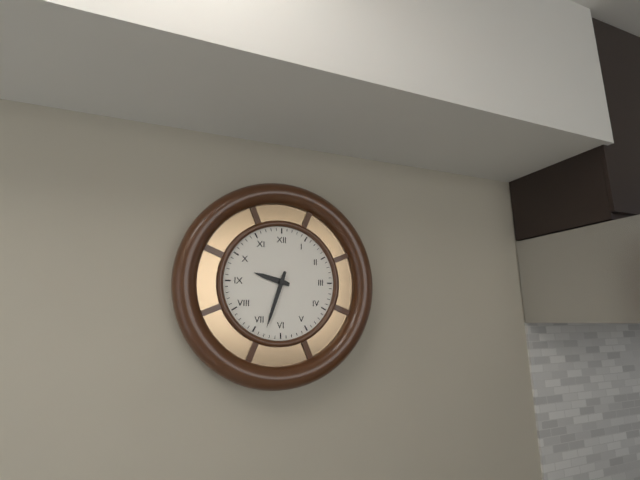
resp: 9h33
